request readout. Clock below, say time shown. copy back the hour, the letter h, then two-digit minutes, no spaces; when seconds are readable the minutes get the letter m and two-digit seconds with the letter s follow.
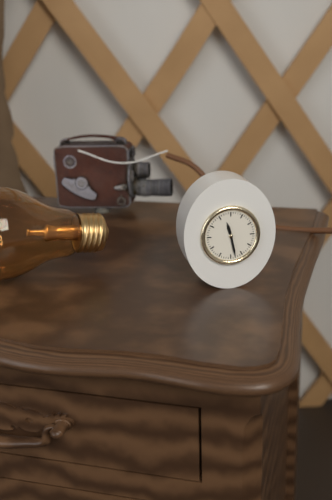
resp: 11h28
